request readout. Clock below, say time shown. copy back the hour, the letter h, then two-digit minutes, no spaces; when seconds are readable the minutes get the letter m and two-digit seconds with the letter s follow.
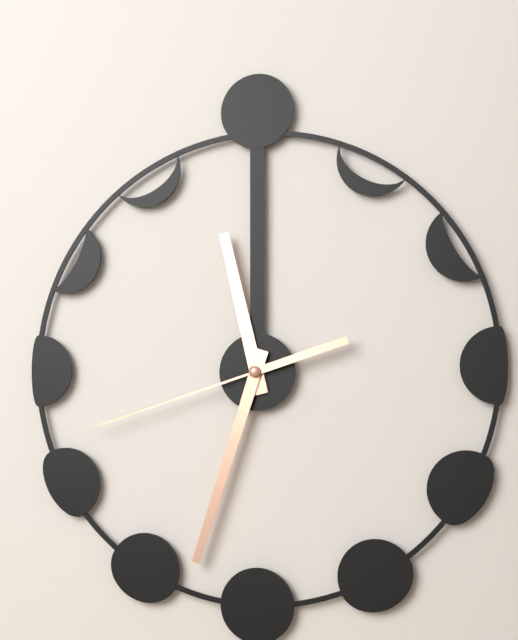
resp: 11h33m42s
